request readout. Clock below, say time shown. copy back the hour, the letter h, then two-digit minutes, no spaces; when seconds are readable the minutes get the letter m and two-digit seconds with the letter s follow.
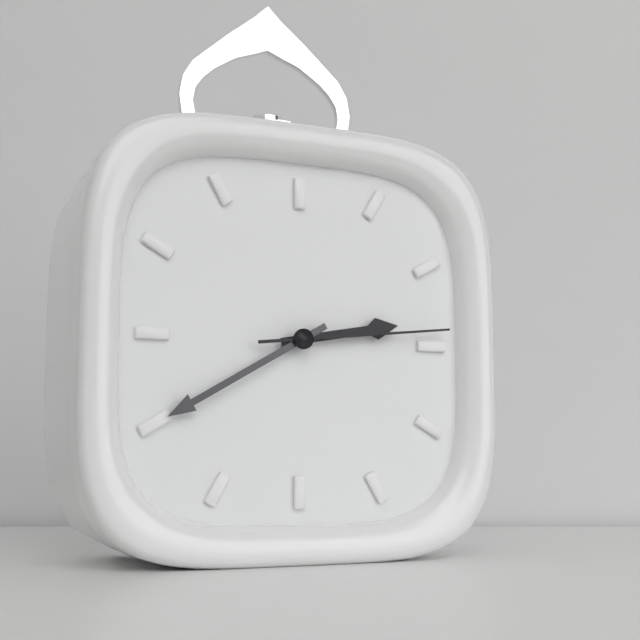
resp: 2h40m14s
